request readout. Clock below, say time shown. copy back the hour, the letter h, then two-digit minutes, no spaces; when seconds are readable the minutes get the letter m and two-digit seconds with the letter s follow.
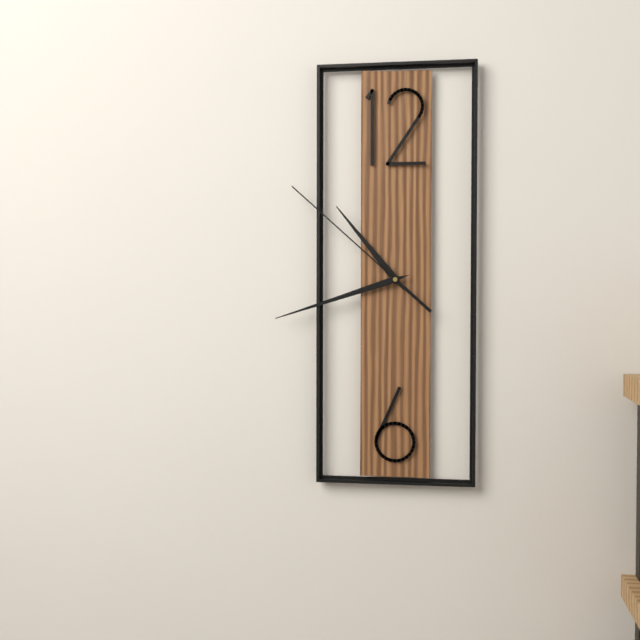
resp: 10h42m52s
